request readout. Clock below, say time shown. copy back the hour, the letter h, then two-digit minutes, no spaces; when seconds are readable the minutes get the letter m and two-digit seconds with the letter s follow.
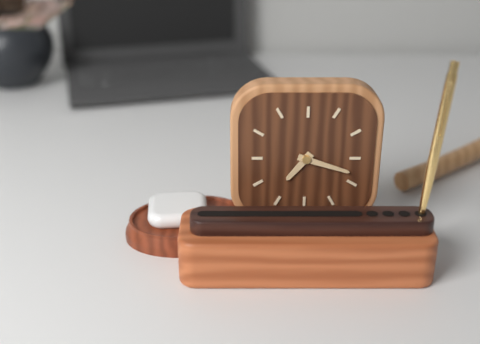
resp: 7h18
